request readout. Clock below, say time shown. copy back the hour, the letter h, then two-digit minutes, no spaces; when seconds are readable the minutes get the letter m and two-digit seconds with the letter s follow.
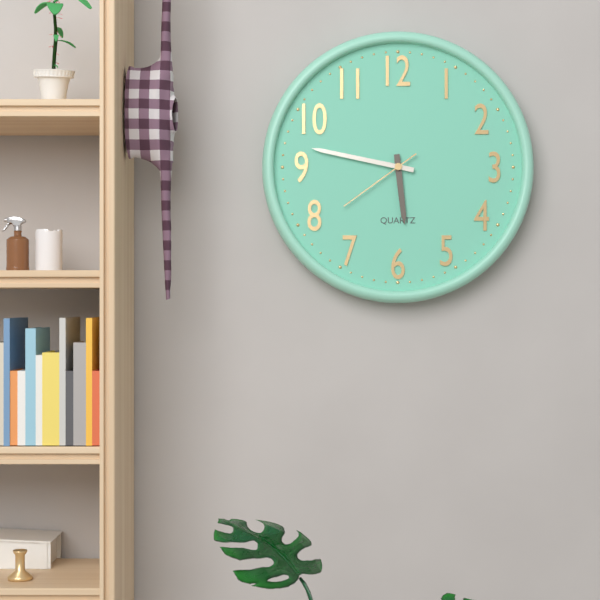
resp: 5h47m39s
